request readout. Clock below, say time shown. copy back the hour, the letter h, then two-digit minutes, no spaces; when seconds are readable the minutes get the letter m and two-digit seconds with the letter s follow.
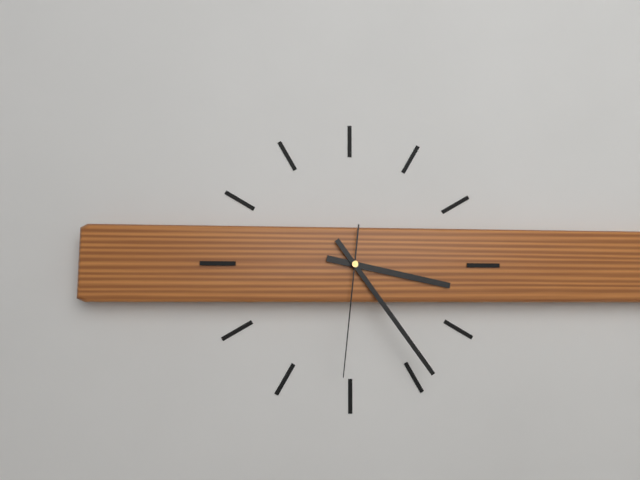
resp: 3h24m31s
